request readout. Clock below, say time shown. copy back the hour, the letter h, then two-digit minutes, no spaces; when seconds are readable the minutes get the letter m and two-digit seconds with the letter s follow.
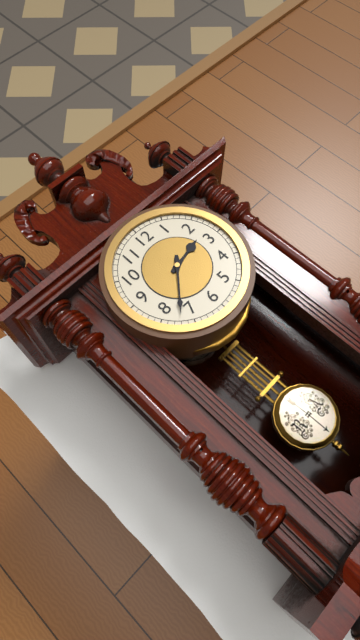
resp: 2h37
